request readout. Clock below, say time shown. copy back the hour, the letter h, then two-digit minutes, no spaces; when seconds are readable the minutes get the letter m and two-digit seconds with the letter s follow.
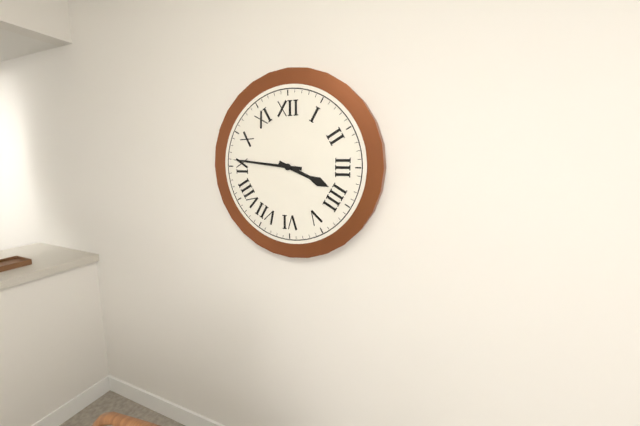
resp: 3h46
